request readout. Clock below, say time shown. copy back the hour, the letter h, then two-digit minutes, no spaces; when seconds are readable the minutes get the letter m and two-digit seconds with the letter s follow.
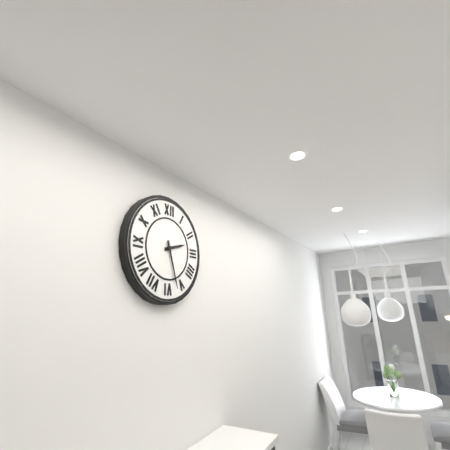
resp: 2h27
